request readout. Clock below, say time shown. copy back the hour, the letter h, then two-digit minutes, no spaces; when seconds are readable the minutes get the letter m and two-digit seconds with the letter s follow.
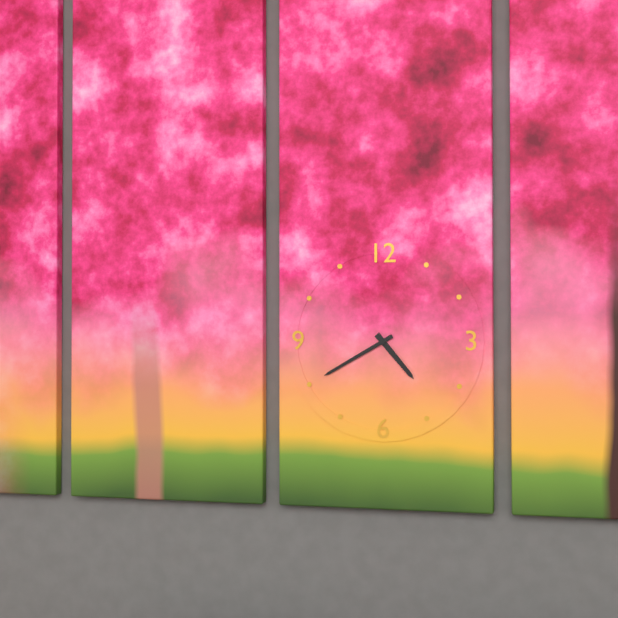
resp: 4h40
